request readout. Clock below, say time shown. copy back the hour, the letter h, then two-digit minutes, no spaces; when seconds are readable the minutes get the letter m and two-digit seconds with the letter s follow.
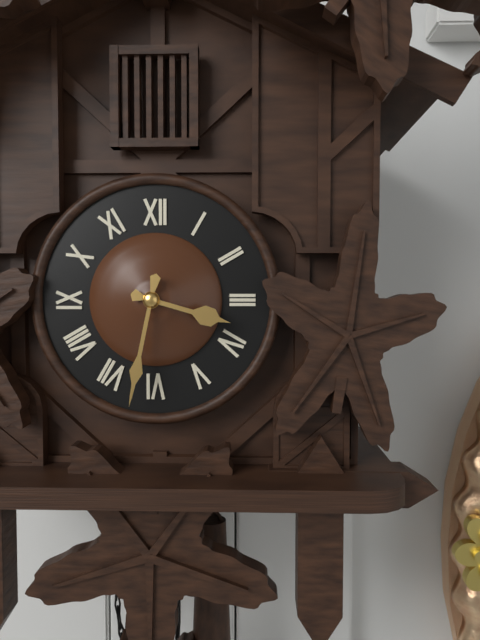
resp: 3h32
